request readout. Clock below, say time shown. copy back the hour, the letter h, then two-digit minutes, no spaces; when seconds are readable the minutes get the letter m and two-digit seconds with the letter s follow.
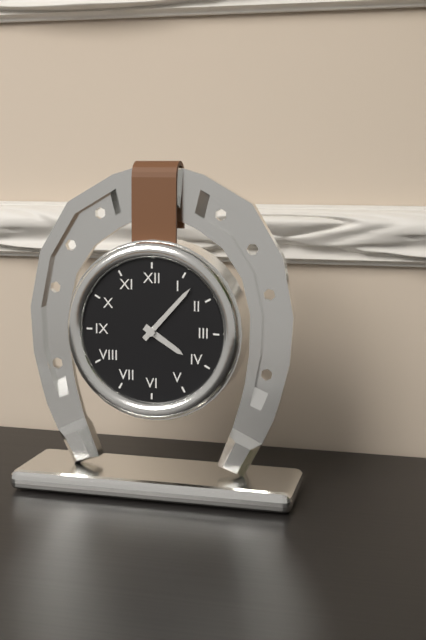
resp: 4h07
